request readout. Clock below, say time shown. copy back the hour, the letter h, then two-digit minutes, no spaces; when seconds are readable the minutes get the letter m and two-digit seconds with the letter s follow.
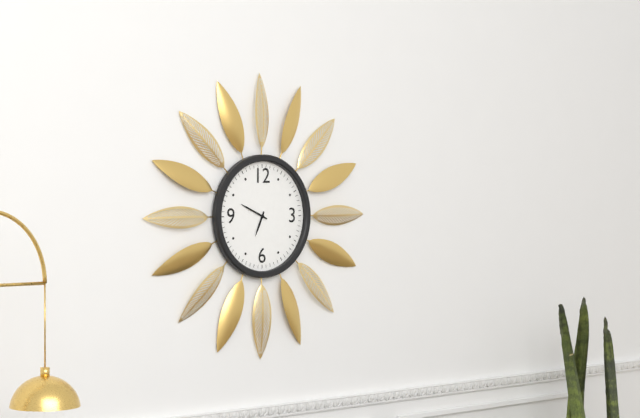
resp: 6h49
